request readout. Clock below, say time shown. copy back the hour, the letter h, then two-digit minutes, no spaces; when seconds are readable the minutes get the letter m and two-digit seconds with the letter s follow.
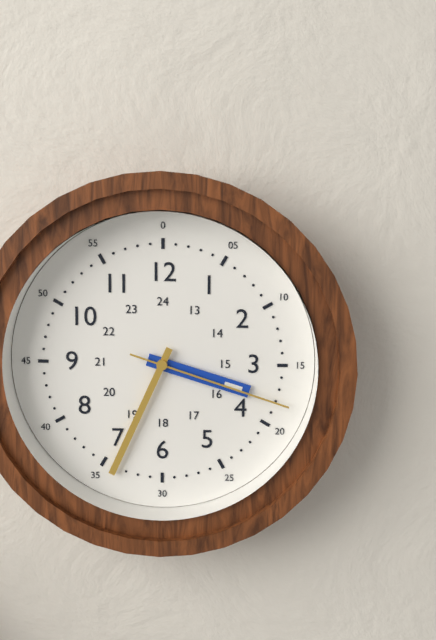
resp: 3h34m18s
